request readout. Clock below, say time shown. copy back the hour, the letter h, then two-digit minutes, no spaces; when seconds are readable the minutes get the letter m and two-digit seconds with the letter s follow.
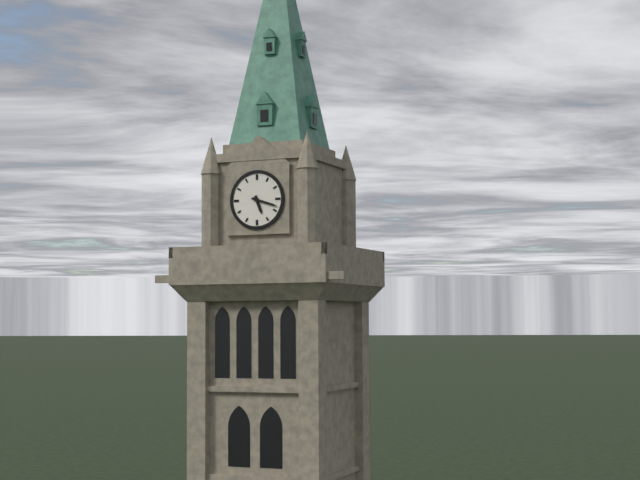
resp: 5h18
